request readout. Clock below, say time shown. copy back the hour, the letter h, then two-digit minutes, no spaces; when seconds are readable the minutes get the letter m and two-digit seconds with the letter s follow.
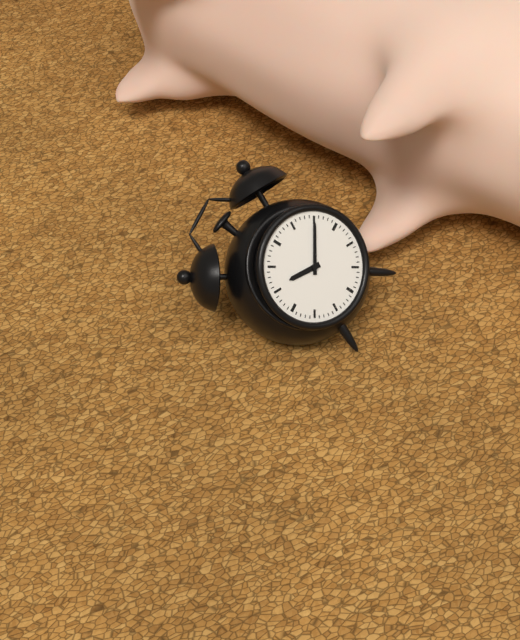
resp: 10h10
